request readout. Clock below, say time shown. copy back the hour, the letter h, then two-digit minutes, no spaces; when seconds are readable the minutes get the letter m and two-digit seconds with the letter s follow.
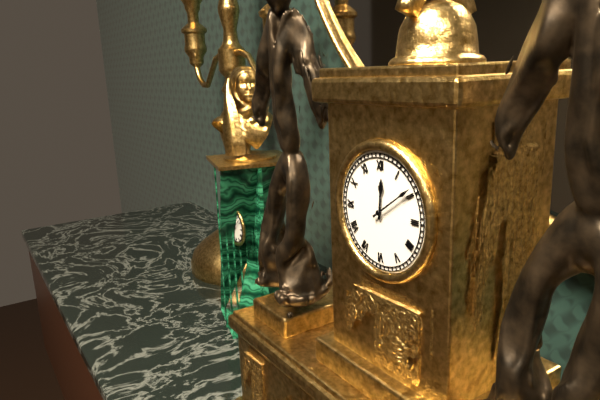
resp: 12h09
